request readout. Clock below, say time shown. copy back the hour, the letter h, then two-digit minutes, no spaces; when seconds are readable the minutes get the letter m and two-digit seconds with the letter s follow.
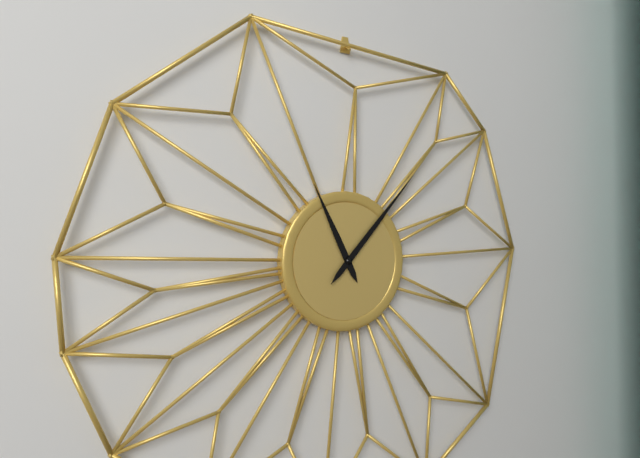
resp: 11h07
